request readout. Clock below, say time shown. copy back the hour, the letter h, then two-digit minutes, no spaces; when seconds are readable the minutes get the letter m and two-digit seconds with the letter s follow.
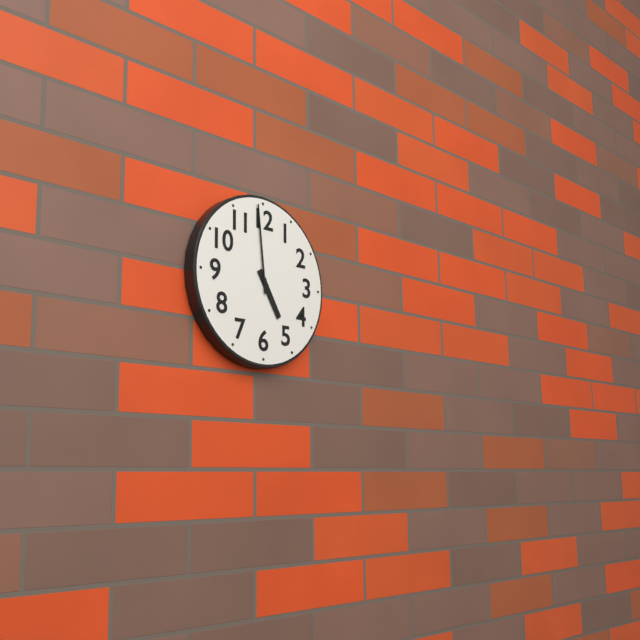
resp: 4h59
